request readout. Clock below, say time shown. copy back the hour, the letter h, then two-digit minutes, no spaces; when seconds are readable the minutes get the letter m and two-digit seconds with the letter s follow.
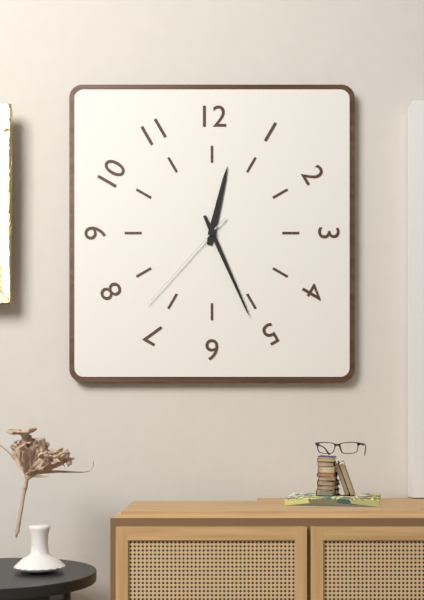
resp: 12h26m37s
